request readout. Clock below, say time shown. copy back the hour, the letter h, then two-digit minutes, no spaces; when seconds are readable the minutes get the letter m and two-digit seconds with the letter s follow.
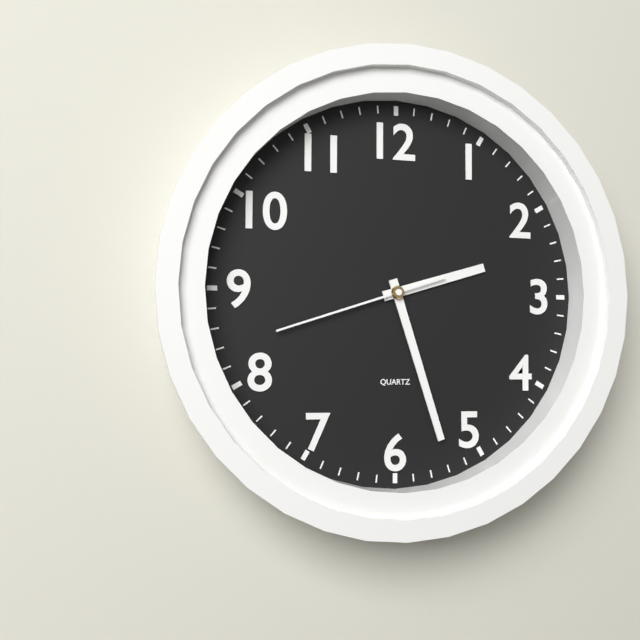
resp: 2h27m42s
